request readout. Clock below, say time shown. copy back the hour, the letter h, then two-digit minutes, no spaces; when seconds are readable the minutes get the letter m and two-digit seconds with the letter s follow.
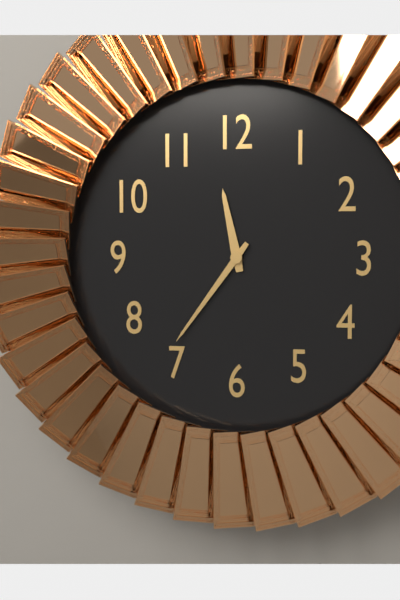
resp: 11h36
